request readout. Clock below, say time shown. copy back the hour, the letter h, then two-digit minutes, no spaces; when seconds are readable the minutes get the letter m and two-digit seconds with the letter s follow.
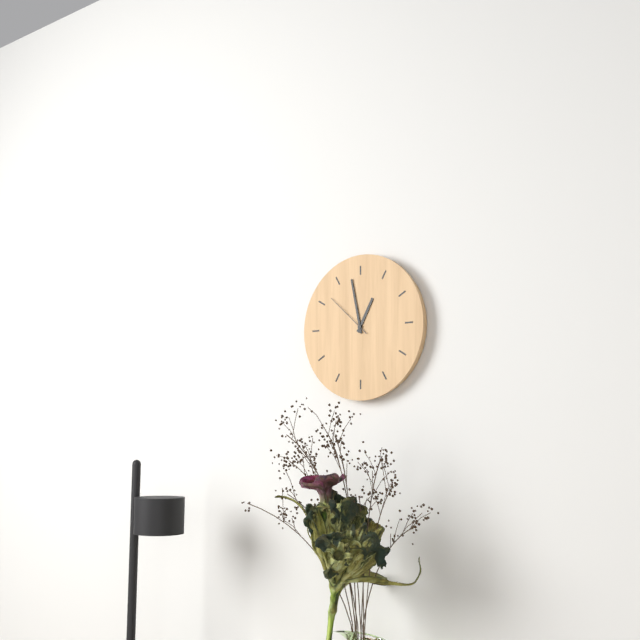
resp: 12h58m52s
